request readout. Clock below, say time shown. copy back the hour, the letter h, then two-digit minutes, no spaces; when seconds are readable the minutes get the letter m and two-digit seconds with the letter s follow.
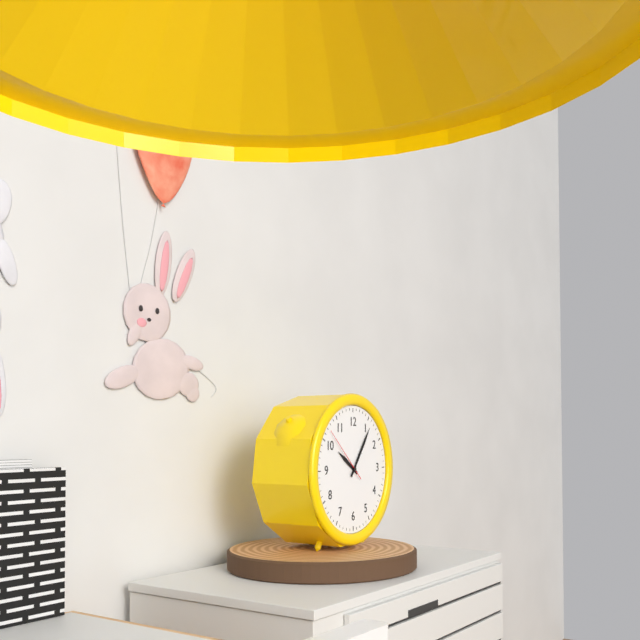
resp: 10h06m52s
